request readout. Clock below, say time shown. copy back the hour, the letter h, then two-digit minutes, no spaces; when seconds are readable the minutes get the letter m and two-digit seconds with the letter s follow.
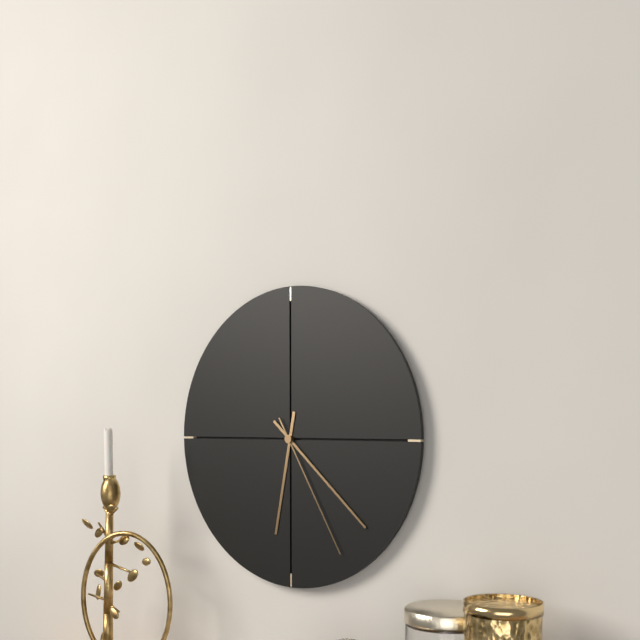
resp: 6h22m25s
